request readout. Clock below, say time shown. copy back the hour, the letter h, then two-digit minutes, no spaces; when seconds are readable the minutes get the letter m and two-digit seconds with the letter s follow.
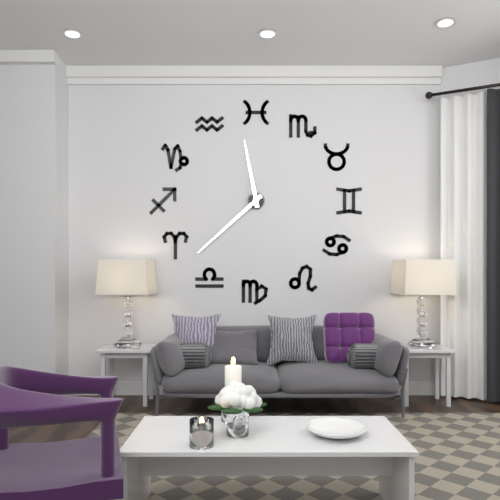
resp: 11h38
